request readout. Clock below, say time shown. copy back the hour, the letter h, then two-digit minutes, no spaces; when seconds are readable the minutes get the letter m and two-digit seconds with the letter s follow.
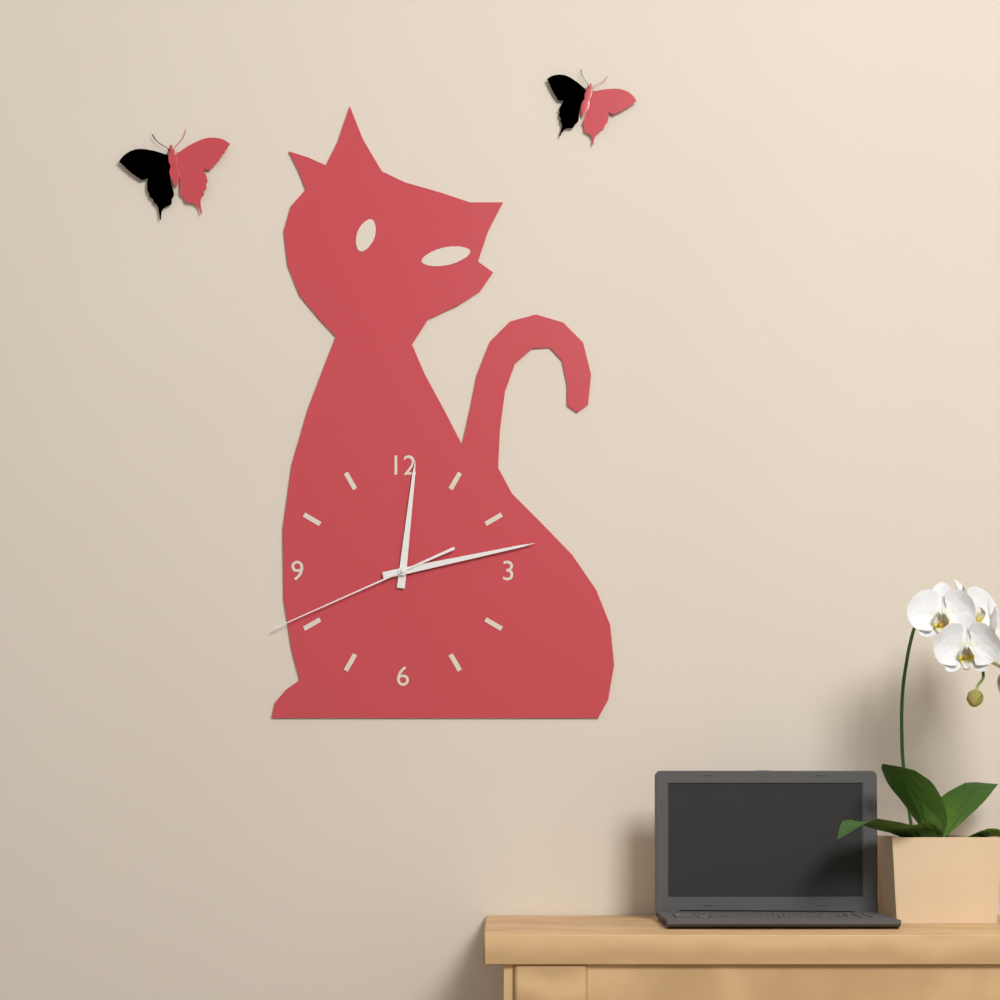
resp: 12h13m41s
